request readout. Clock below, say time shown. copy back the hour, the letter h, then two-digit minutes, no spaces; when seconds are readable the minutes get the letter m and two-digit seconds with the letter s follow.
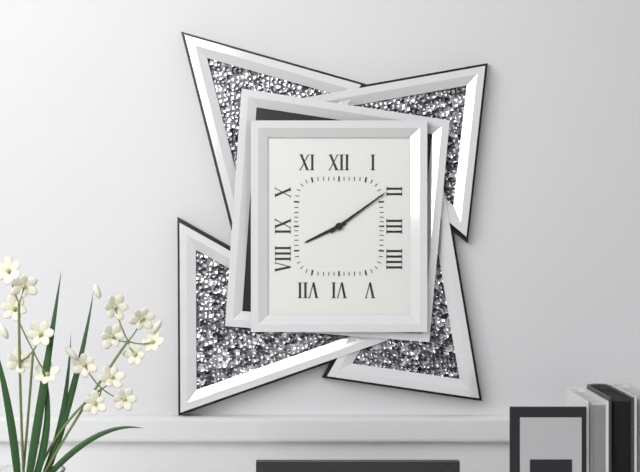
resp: 8h09
